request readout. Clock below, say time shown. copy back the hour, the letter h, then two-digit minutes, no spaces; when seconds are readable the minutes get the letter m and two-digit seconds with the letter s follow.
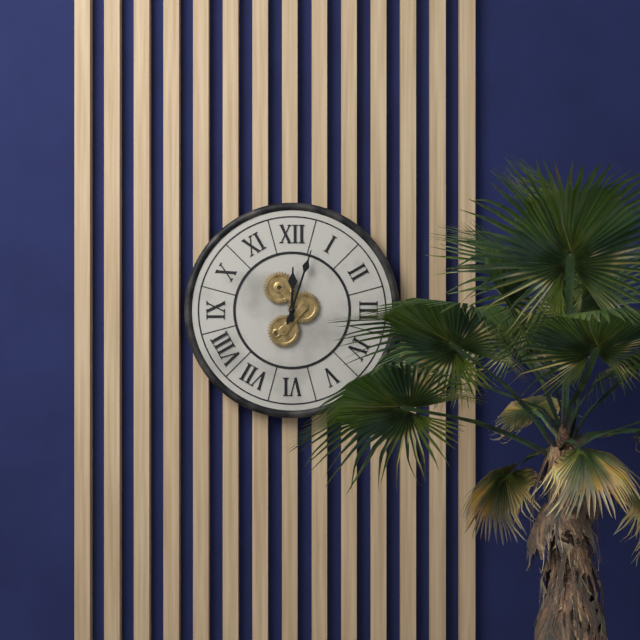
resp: 12h03
